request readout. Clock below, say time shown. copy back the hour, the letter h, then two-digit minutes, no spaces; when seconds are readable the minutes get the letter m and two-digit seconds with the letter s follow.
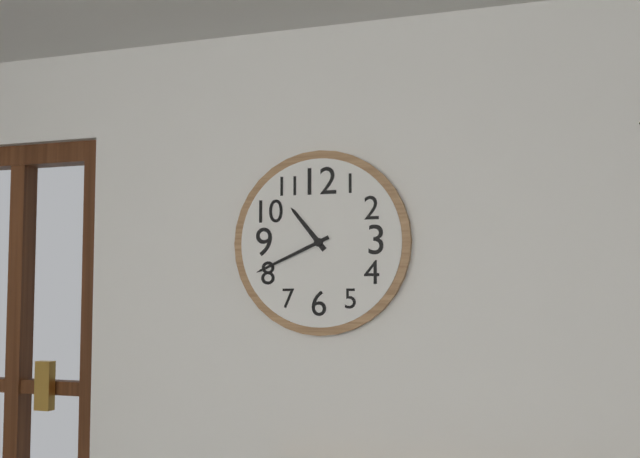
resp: 10h41
